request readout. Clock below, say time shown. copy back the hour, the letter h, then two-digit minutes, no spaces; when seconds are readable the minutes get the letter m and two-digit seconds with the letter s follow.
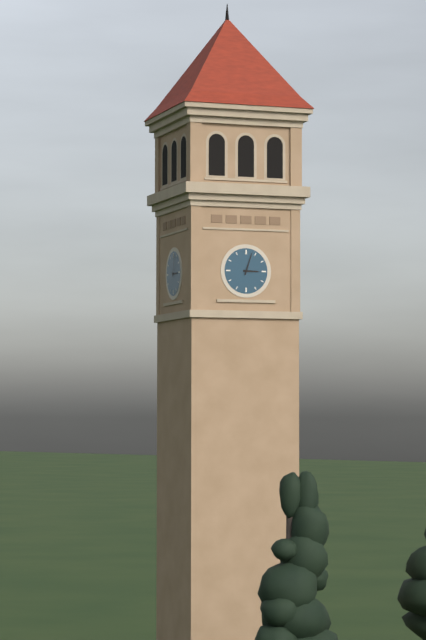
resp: 3h03
